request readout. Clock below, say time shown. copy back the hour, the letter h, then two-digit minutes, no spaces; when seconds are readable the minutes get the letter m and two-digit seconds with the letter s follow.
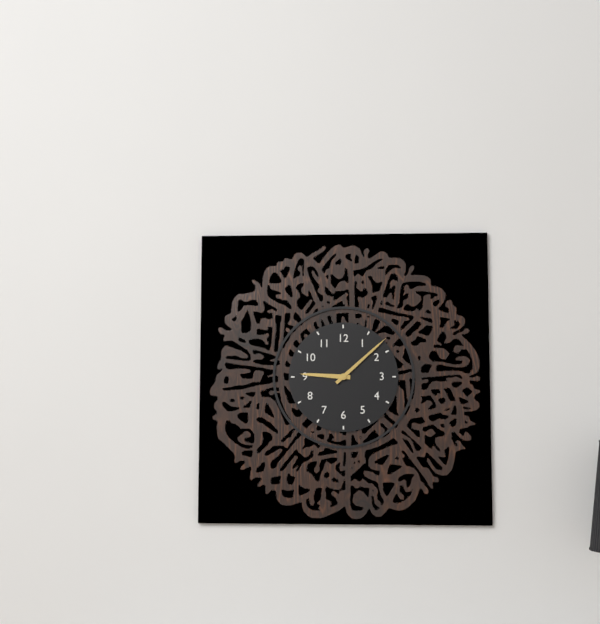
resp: 9h08
